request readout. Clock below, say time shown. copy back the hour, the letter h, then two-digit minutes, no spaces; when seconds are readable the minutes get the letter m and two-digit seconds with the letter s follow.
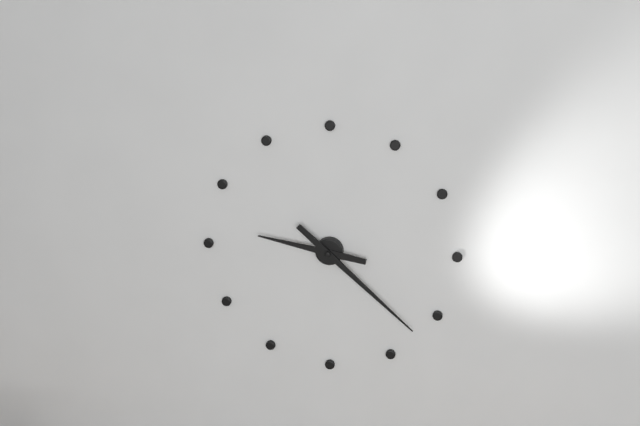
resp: 9h22
